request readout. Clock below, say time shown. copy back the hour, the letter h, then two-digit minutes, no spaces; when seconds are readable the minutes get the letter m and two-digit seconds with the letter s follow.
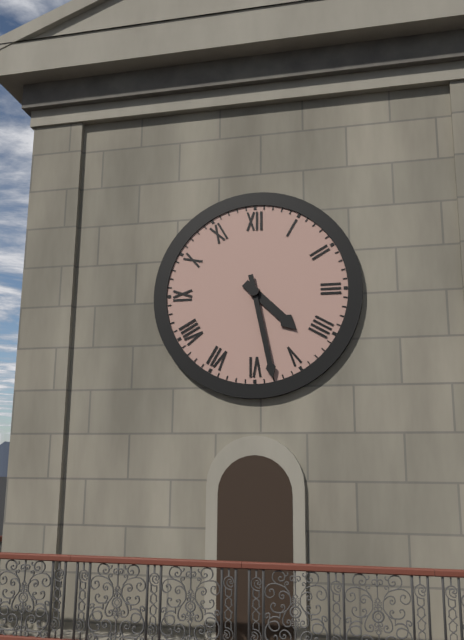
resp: 4h28
